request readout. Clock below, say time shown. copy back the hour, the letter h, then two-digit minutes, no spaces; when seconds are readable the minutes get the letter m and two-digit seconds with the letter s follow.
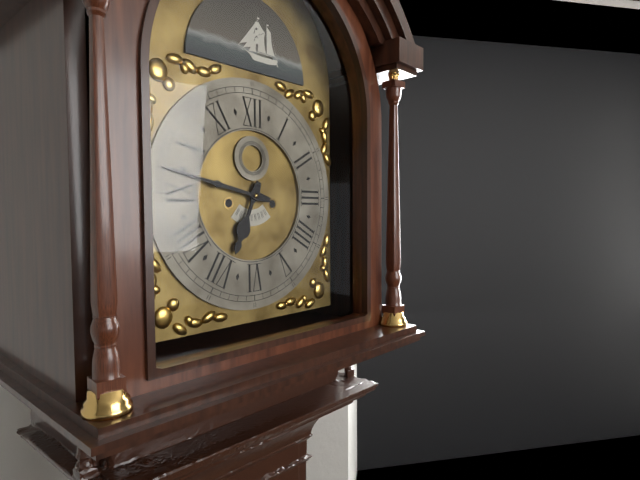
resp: 6h47
